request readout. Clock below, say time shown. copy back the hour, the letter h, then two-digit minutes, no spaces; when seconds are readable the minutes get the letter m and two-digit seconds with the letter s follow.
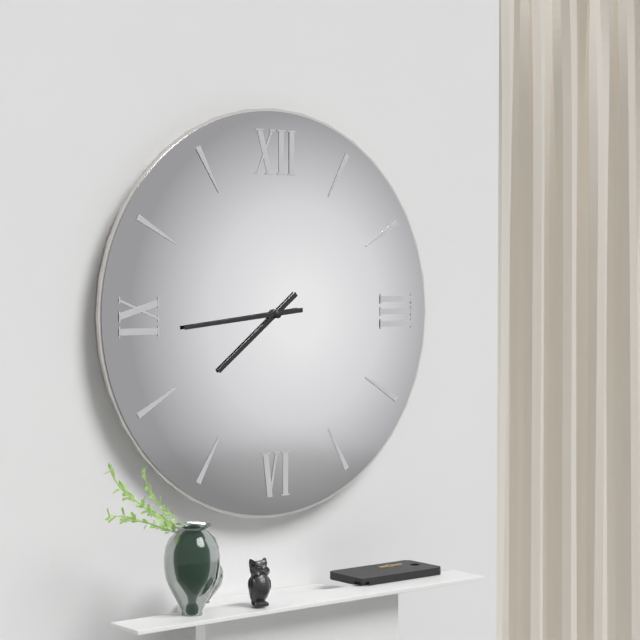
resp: 7h44
